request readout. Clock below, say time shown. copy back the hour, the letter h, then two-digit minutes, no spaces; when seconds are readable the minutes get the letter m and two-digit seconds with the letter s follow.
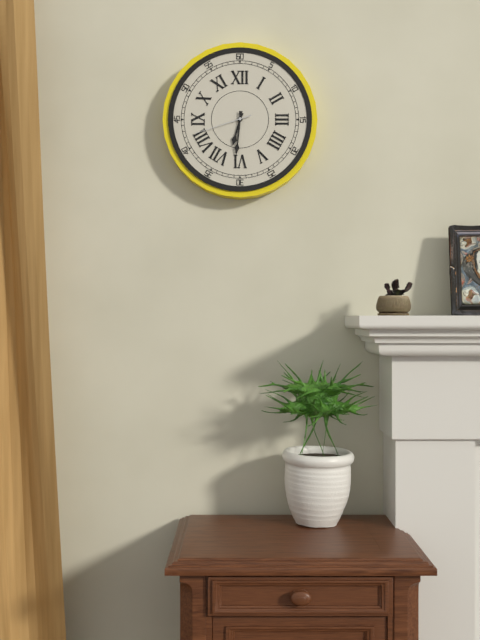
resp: 6h31m42s
